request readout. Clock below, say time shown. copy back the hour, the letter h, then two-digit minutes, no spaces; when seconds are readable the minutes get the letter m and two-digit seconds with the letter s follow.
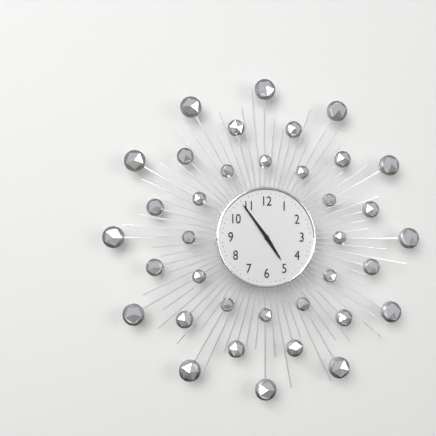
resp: 4h54
